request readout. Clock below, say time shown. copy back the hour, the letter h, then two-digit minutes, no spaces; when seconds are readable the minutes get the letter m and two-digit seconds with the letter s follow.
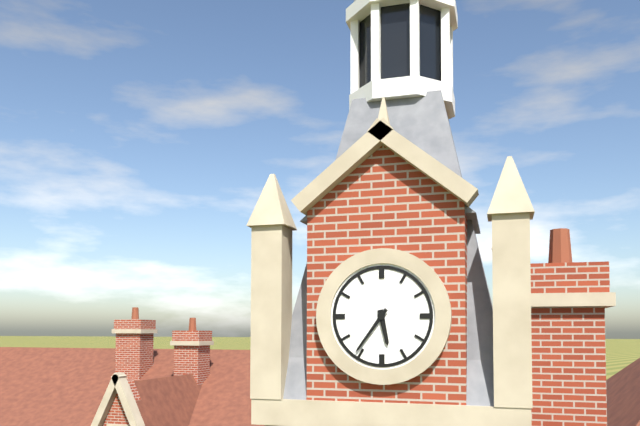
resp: 5h36
